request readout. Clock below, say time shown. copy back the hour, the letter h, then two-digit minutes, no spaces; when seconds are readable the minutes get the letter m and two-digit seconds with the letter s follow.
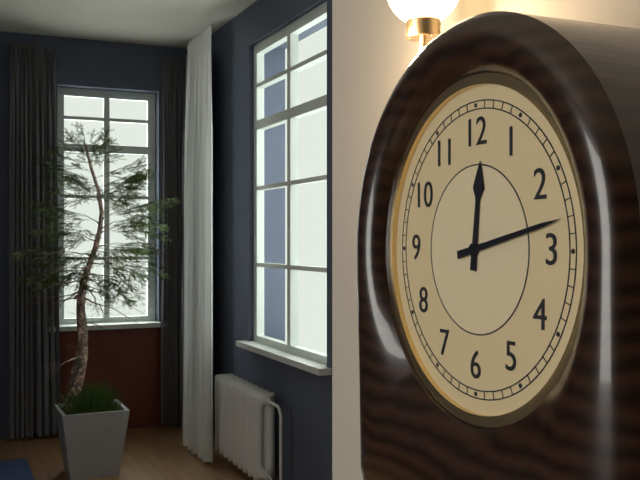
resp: 12h13
